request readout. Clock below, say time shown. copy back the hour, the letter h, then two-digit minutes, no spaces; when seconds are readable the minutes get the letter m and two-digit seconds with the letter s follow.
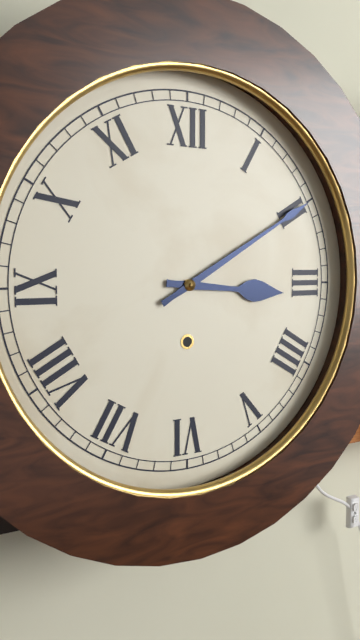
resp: 3h10
